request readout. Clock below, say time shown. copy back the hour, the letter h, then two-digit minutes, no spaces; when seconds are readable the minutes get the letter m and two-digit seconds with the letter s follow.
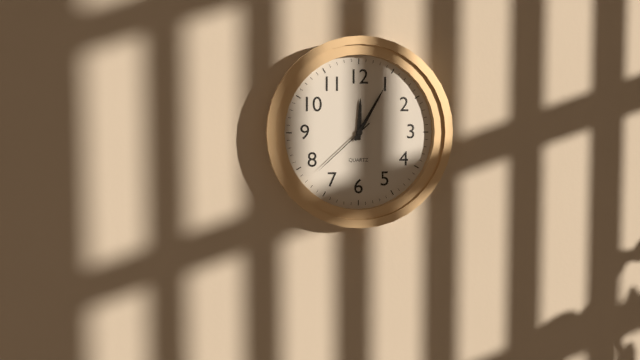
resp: 12h05m38s
